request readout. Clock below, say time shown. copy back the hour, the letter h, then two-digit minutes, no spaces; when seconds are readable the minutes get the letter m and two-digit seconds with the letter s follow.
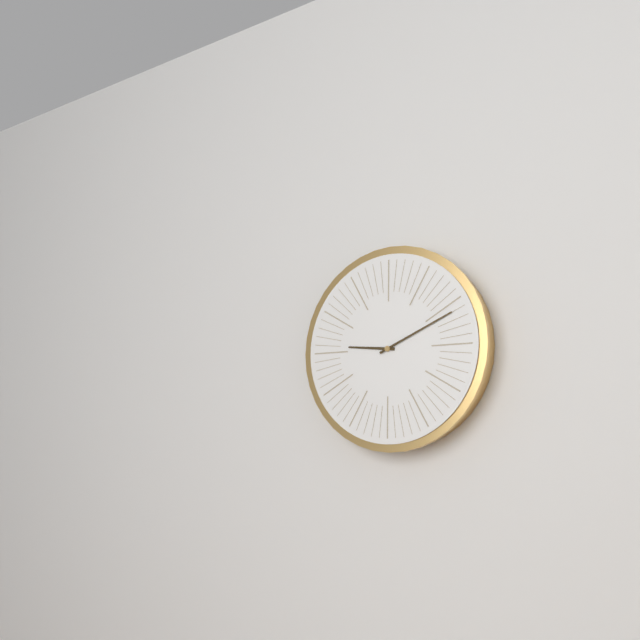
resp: 9h11
